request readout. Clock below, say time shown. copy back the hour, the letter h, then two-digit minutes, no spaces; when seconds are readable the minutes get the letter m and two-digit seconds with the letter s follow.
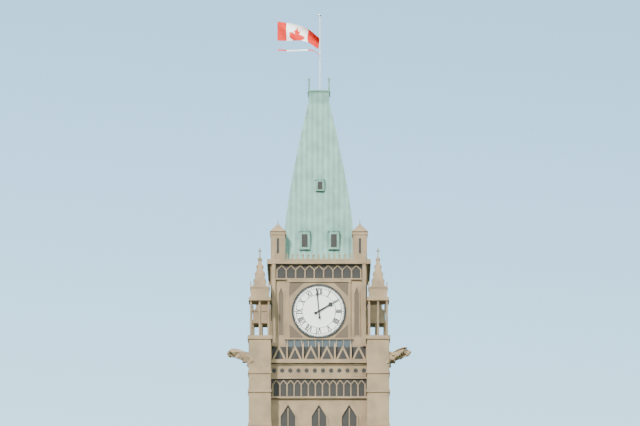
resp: 1h59
